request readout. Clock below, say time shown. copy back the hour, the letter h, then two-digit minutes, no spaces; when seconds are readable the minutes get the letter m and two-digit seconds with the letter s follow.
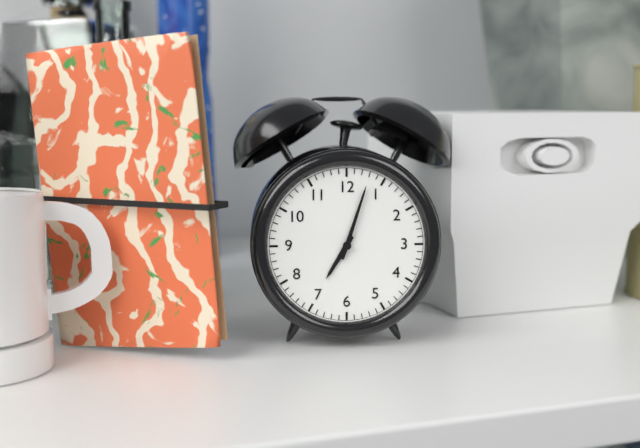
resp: 7h03
